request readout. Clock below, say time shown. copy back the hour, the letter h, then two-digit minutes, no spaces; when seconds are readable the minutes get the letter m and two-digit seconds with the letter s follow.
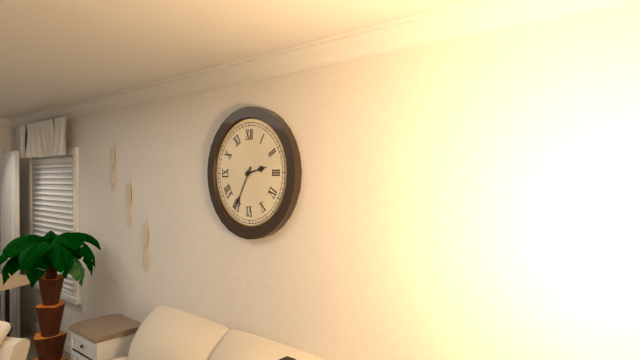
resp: 2h35
